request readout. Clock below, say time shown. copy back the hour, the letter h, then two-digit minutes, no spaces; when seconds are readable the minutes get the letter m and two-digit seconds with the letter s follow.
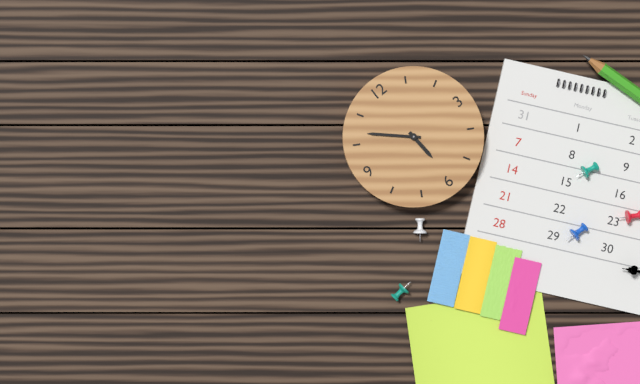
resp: 5h52
